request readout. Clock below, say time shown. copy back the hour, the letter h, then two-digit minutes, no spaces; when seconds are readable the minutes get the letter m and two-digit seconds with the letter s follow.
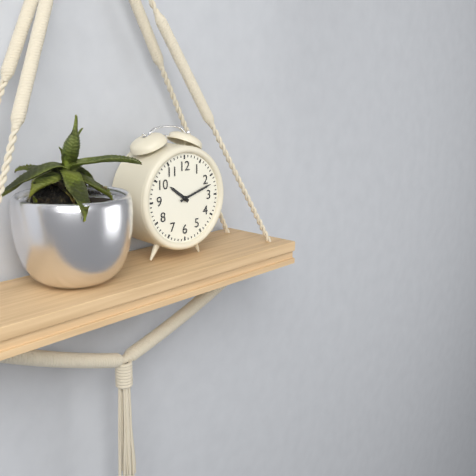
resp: 10h12
